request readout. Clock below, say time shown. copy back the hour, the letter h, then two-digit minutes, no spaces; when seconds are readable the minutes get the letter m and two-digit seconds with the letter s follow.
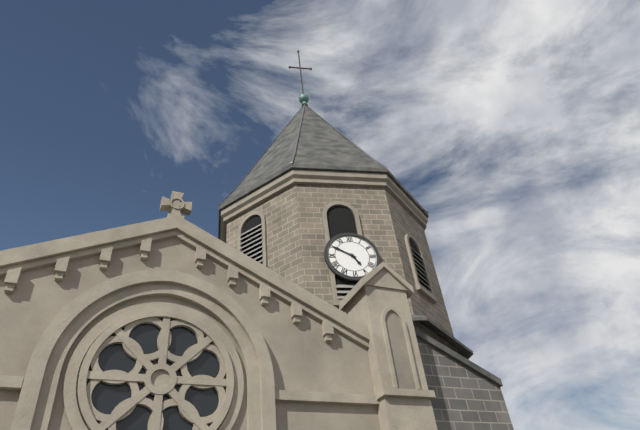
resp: 4h50
